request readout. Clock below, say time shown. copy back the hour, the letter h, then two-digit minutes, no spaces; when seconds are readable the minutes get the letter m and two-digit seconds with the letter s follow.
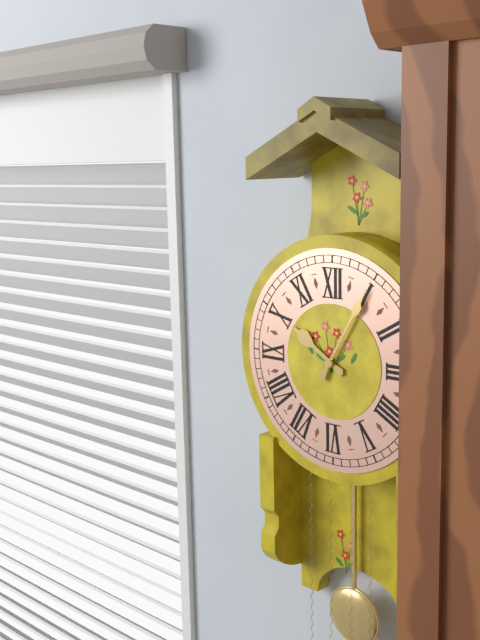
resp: 10h05
